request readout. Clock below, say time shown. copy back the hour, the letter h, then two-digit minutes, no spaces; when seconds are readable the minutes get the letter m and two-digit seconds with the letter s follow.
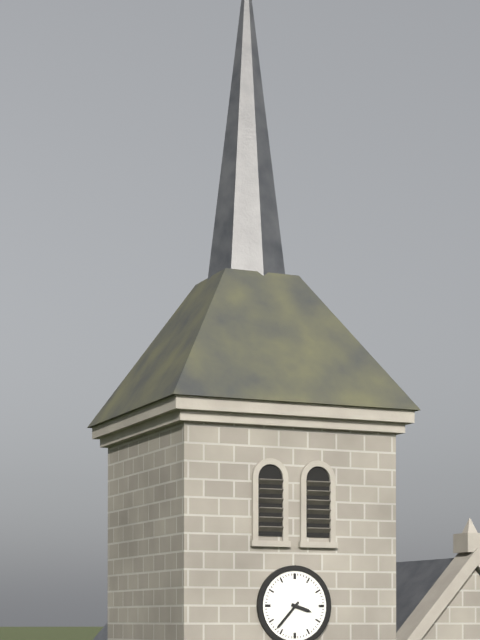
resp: 3h37
